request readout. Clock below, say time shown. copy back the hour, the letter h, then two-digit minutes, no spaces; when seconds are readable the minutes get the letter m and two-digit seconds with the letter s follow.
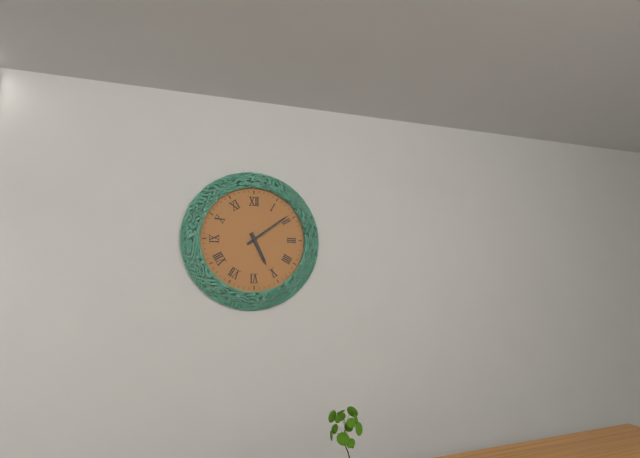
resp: 5h09
